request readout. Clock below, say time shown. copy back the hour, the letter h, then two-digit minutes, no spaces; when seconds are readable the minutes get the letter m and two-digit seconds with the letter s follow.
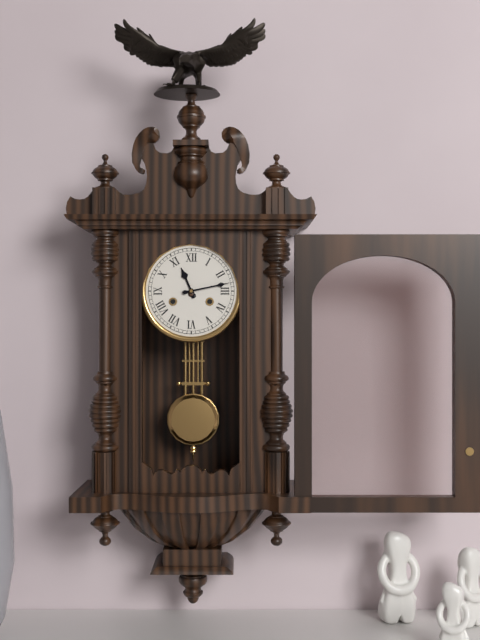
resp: 11h13
